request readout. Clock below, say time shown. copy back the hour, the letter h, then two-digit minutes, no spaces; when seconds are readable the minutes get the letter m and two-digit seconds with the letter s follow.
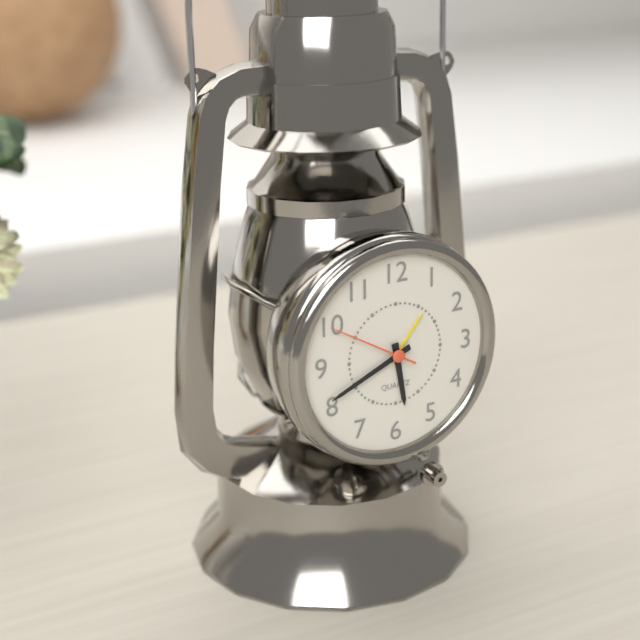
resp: 5h41m50s
